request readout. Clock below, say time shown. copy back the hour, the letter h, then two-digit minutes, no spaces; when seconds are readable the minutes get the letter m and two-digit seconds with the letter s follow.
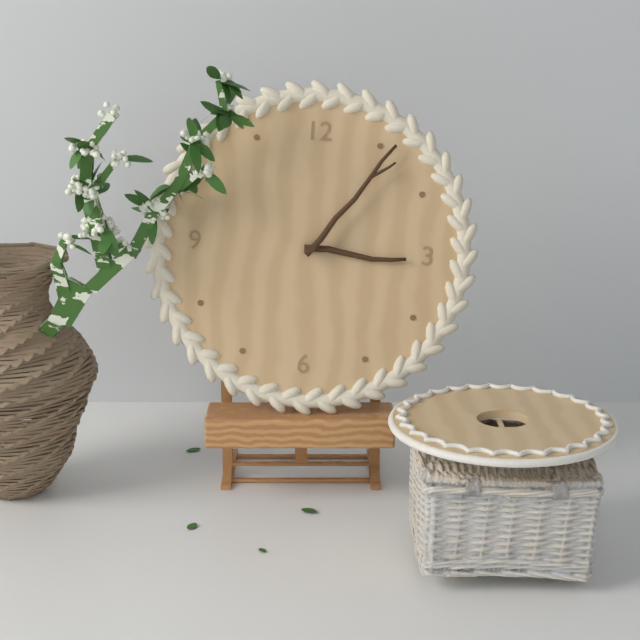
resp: 3h06
